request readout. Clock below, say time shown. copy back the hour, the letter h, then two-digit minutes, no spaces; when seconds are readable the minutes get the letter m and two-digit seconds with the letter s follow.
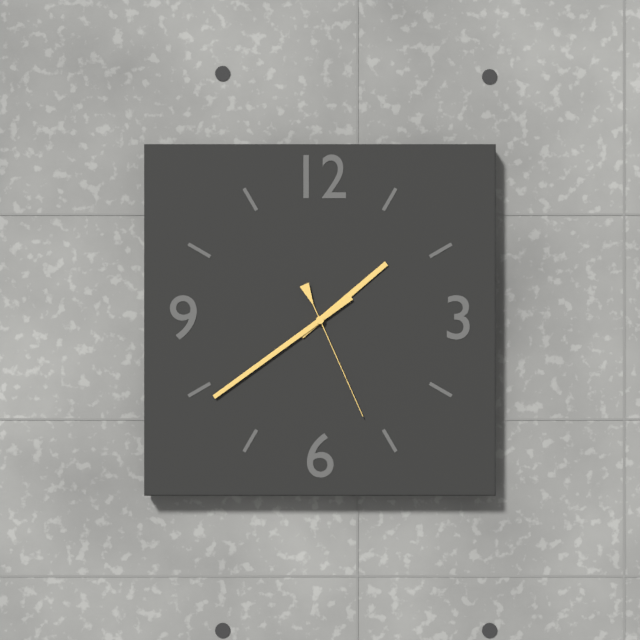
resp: 1h39m26s
